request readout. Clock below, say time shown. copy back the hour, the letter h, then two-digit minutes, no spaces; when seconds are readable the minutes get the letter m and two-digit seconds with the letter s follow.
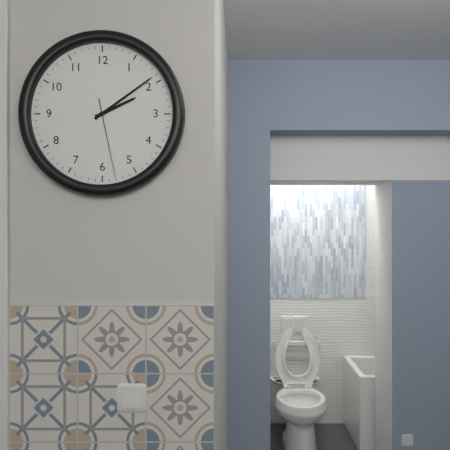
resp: 2h09m28s
